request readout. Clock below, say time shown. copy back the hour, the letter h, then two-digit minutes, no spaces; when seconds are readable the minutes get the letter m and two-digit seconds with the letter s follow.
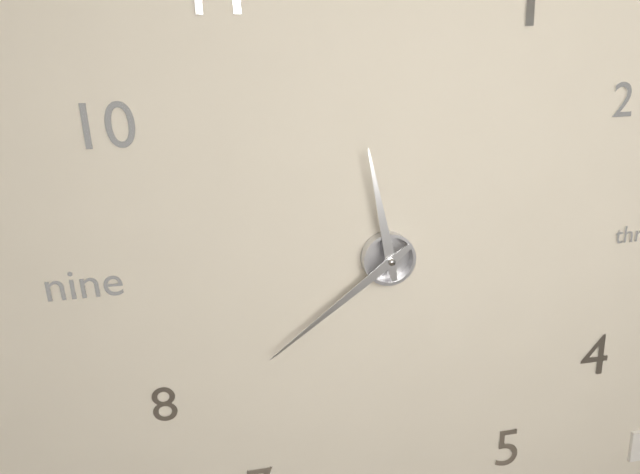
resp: 11h39
